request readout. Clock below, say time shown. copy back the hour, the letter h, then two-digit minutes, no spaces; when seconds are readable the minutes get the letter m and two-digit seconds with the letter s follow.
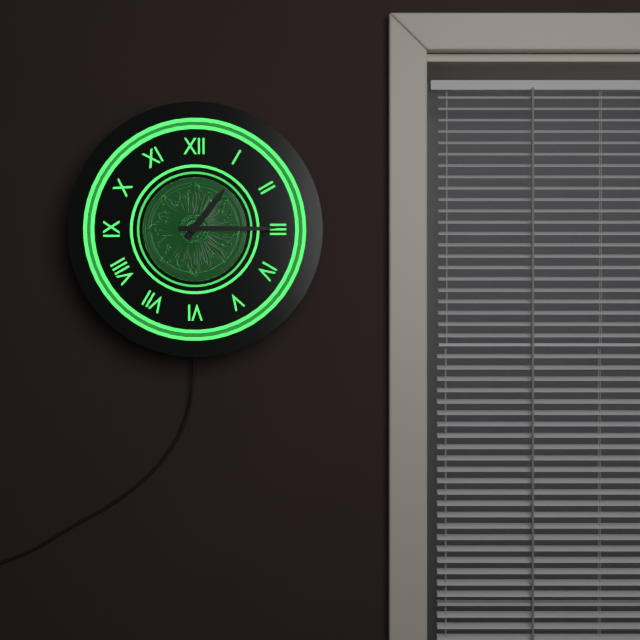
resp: 1h15
